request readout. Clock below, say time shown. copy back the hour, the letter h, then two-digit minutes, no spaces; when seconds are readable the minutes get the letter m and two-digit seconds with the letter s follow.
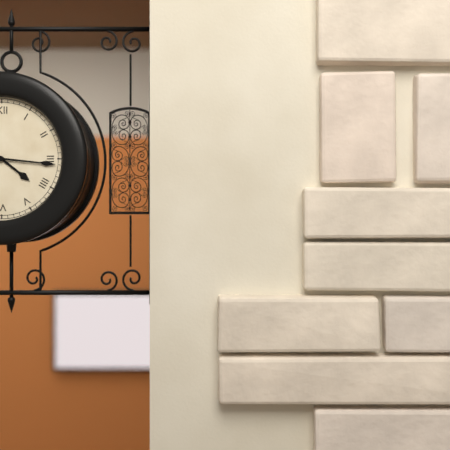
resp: 4h16
